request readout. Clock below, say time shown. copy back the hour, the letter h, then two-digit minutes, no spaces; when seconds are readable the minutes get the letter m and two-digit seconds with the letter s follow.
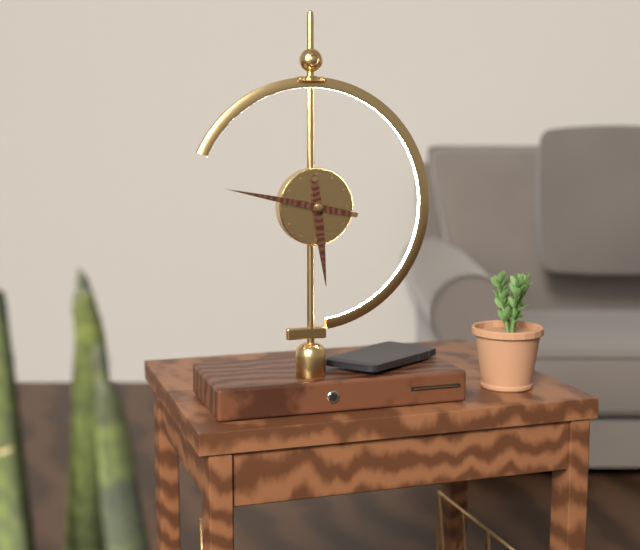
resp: 5h47
